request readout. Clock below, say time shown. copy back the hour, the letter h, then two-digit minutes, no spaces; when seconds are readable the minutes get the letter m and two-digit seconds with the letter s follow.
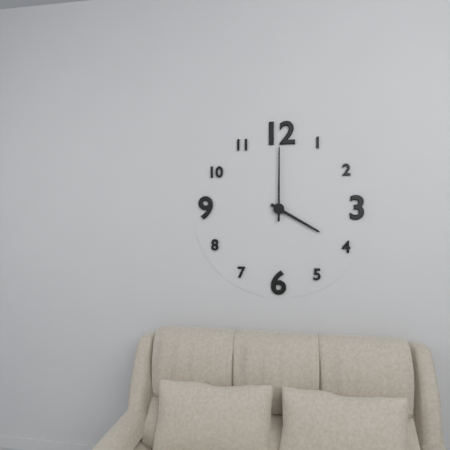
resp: 4h00
